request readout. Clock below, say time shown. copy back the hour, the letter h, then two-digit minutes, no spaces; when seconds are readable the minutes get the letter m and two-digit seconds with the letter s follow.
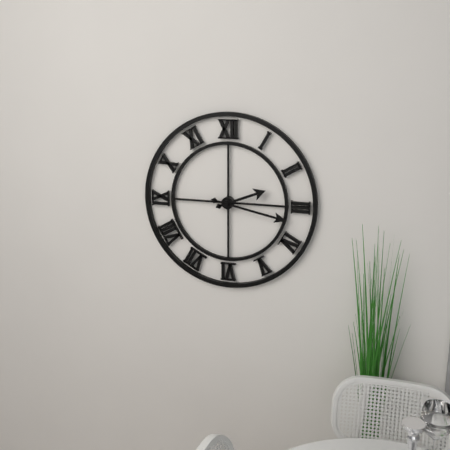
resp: 2h17
